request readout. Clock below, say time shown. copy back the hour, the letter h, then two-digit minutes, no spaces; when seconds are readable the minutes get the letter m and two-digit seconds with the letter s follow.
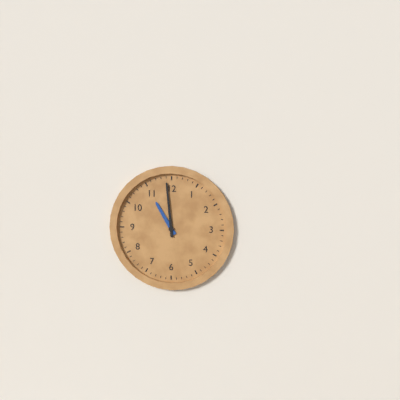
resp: 10h59
